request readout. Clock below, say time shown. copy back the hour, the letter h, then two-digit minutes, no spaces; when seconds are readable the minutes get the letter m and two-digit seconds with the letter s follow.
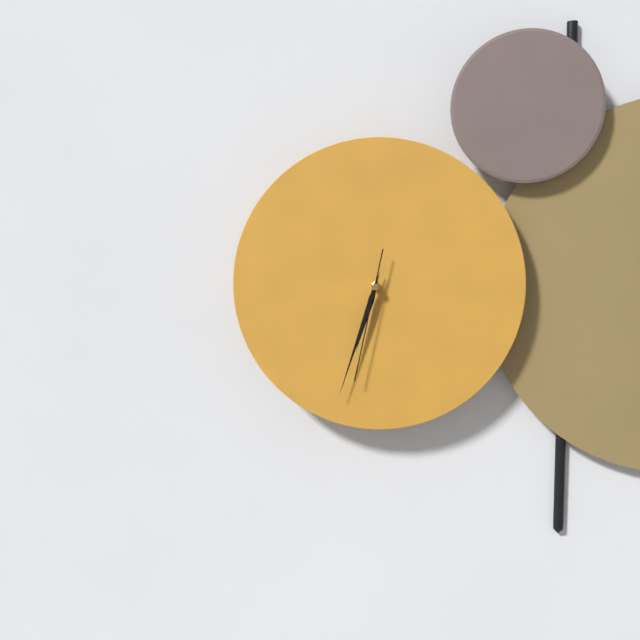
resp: 6h33m32s
